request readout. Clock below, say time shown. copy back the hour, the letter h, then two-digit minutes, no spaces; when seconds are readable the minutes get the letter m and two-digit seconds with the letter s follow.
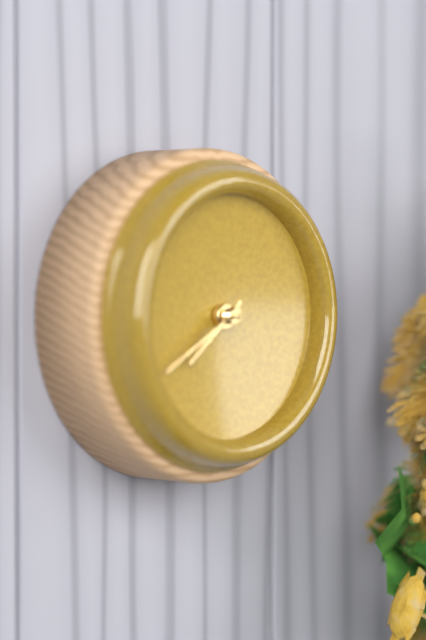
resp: 7h40
